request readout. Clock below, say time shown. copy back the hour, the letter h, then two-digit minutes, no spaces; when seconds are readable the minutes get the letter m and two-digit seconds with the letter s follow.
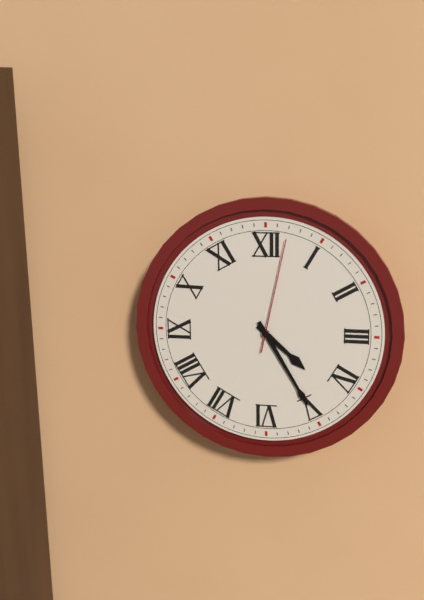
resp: 4h25m02s
